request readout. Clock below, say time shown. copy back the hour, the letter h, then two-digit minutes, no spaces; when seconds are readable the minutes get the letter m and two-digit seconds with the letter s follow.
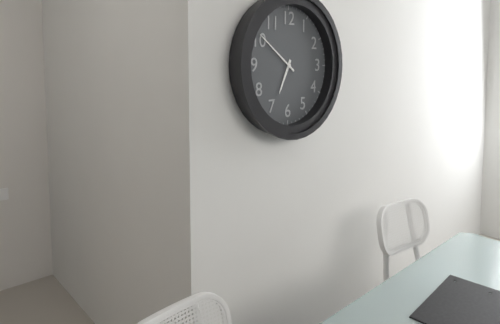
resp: 6h51
